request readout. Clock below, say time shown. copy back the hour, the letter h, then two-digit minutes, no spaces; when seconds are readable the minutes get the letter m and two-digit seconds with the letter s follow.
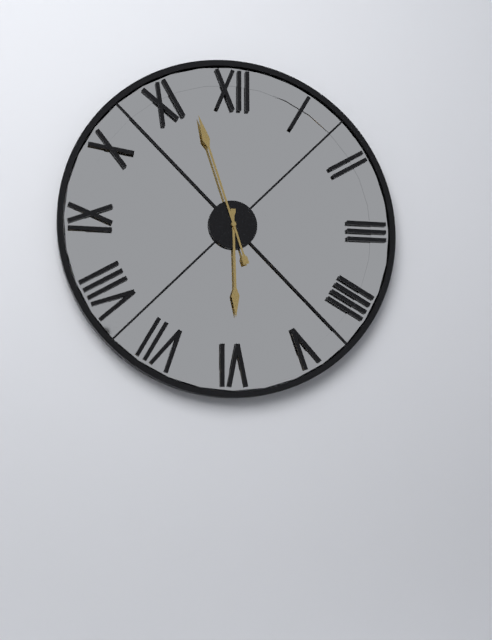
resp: 5h57
